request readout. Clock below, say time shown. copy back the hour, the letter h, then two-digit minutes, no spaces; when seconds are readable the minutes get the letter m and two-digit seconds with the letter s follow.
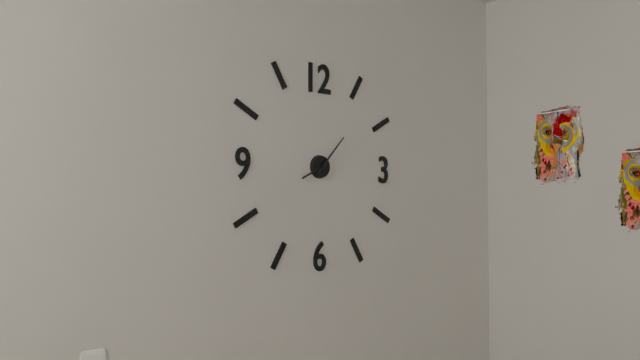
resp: 8h07
